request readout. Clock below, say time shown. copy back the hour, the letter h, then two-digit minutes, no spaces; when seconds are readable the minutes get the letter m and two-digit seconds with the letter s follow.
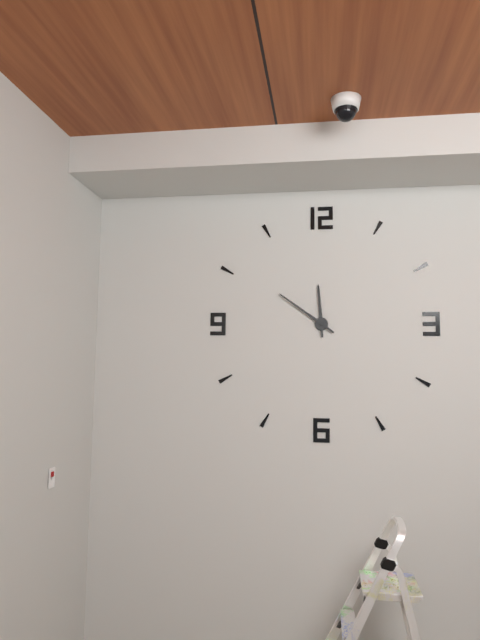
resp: 11h51
